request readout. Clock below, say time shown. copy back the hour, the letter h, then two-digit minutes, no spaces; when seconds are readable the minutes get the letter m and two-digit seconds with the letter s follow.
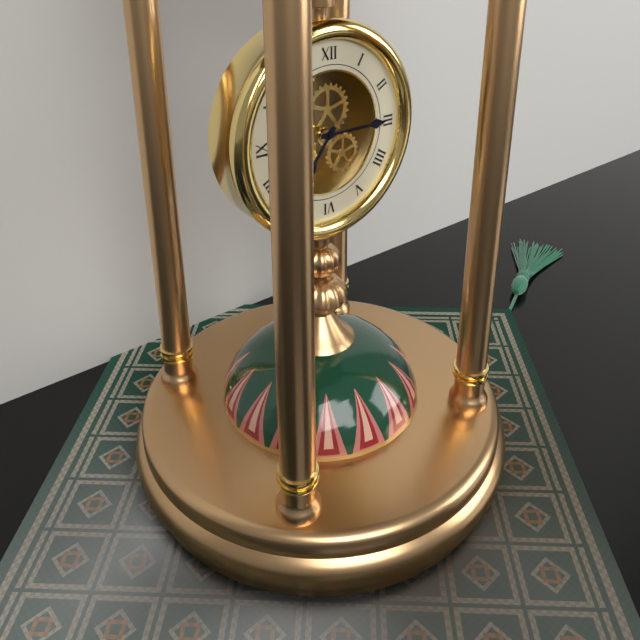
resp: 7h15
